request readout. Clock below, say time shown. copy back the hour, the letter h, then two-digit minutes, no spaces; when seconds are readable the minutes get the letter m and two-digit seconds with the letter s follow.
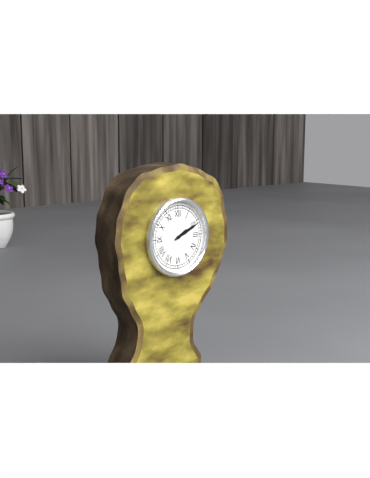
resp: 2h11
